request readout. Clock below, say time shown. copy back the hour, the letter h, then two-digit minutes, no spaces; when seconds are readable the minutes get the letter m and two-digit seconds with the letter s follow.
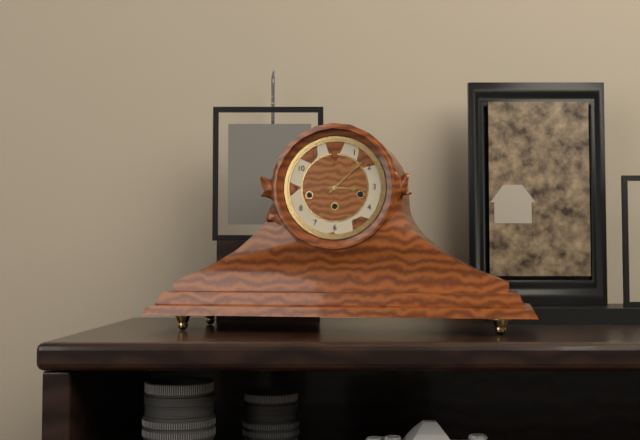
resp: 3h08
